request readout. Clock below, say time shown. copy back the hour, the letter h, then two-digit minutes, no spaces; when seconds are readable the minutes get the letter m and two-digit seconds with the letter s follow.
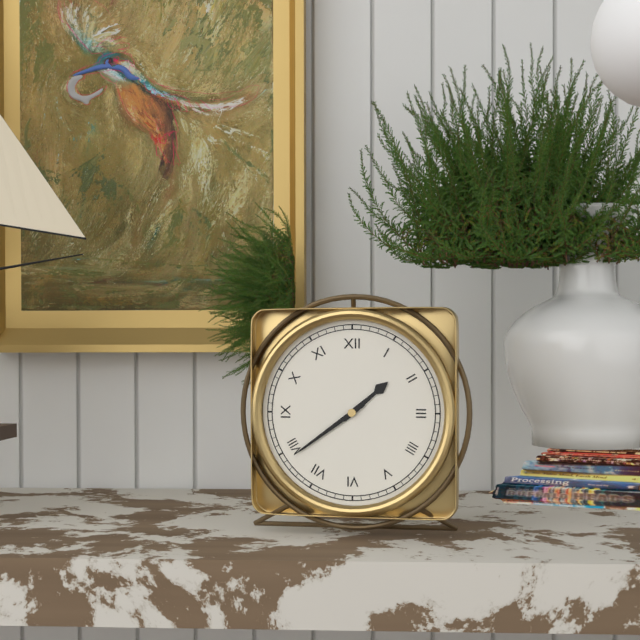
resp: 1h39
